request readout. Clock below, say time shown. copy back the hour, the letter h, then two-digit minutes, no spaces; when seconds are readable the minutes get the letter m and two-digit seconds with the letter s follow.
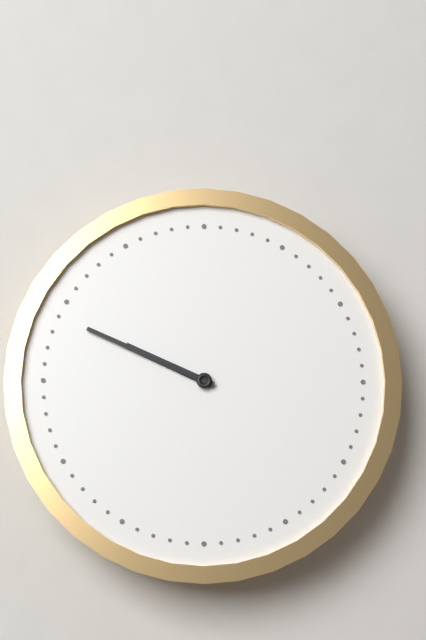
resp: 9h49
